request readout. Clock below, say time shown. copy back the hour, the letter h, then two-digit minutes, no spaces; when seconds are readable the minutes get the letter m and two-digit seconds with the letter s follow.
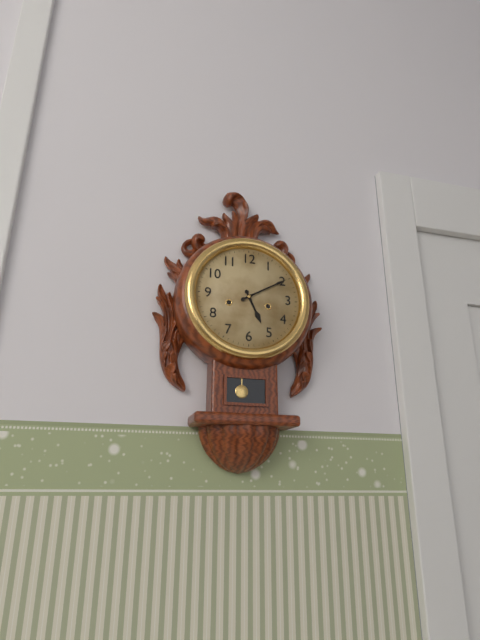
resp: 5h10
